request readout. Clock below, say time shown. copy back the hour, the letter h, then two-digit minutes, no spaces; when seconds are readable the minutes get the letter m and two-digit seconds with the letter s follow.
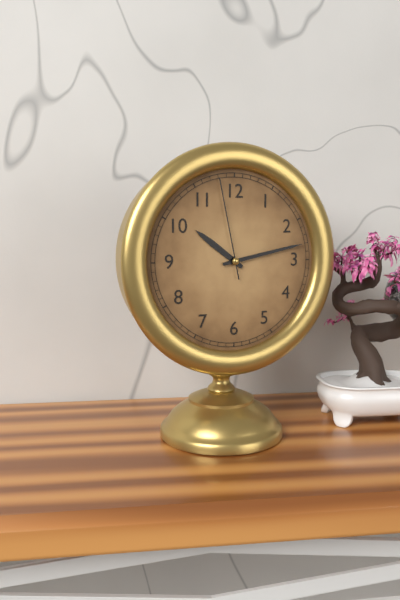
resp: 10h13m58s
